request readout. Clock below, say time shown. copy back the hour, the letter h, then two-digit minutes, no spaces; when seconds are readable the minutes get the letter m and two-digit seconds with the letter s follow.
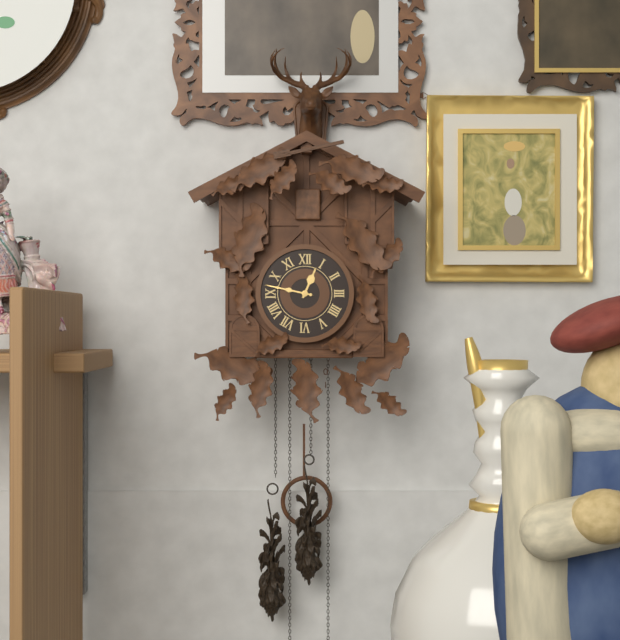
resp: 12h47
